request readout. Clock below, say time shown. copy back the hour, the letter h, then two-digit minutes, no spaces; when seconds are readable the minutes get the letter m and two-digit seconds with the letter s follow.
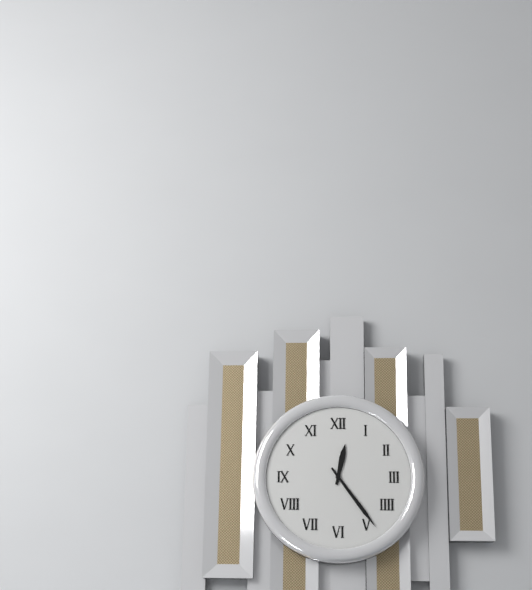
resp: 12h24
